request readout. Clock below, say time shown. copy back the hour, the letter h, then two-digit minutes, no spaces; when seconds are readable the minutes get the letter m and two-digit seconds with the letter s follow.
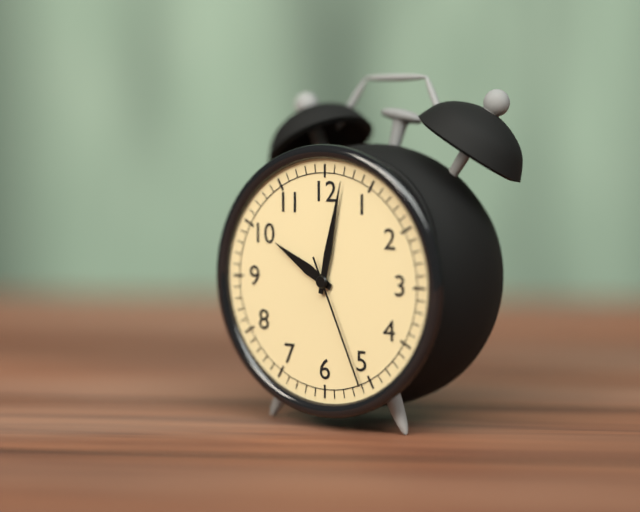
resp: 10h02m26s
